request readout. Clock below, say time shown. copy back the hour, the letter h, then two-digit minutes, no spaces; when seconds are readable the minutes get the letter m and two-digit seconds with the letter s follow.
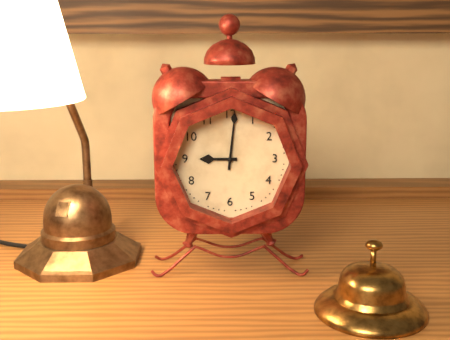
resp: 9h01
